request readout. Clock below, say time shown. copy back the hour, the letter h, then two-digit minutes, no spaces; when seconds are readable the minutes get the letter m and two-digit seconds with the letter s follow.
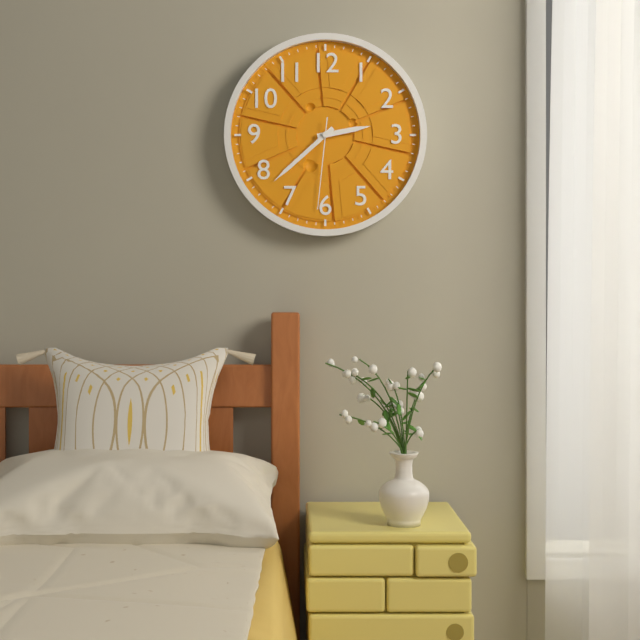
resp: 2h38m31s
